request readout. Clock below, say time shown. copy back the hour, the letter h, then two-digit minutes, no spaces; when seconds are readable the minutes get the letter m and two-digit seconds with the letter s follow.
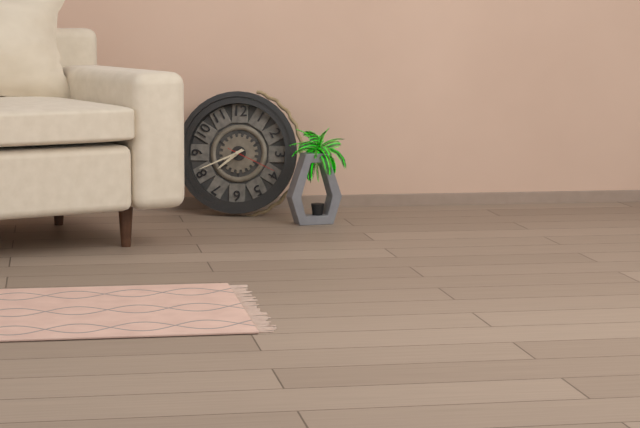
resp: 7h41m19s
